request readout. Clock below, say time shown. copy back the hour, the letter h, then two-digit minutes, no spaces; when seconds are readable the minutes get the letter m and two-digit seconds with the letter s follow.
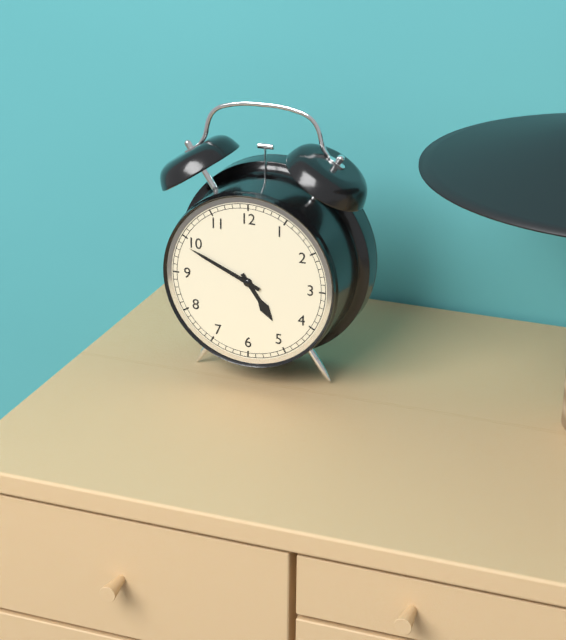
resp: 4h49
